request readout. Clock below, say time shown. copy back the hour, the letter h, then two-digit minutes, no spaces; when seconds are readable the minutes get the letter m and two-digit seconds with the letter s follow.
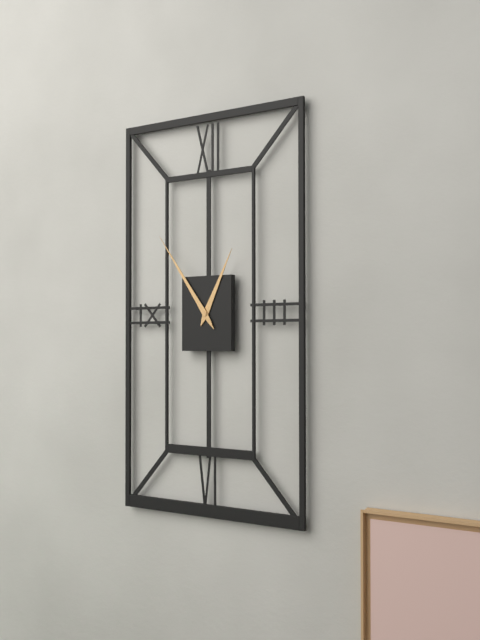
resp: 12h54
